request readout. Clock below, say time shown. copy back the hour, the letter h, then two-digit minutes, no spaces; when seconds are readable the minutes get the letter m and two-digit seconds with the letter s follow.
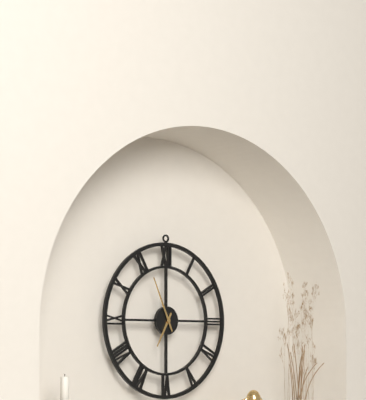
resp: 6h56
